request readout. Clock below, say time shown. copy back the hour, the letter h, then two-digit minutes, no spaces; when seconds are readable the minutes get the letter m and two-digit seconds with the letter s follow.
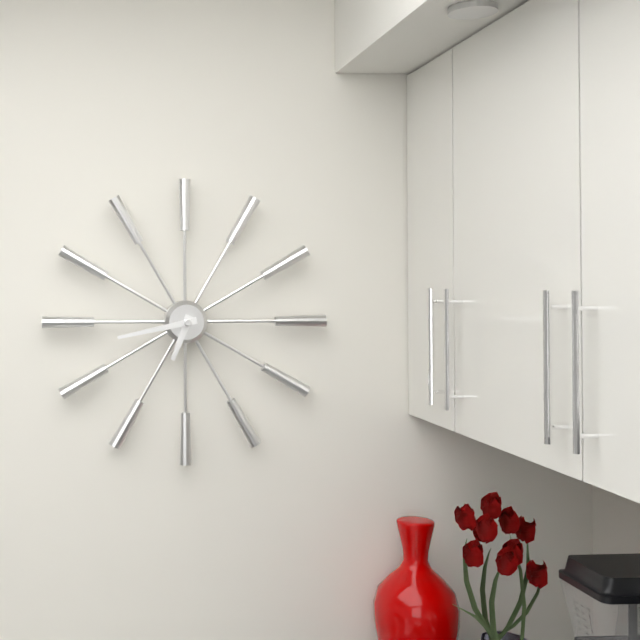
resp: 6h43
